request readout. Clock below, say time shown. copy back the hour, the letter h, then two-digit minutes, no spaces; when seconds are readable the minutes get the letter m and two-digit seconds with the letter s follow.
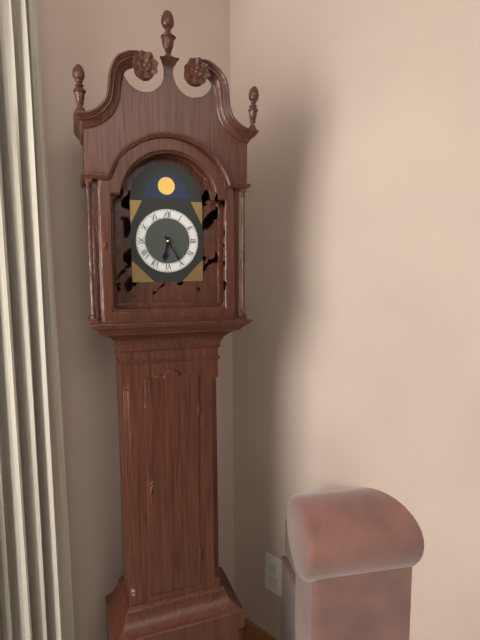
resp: 6h25
